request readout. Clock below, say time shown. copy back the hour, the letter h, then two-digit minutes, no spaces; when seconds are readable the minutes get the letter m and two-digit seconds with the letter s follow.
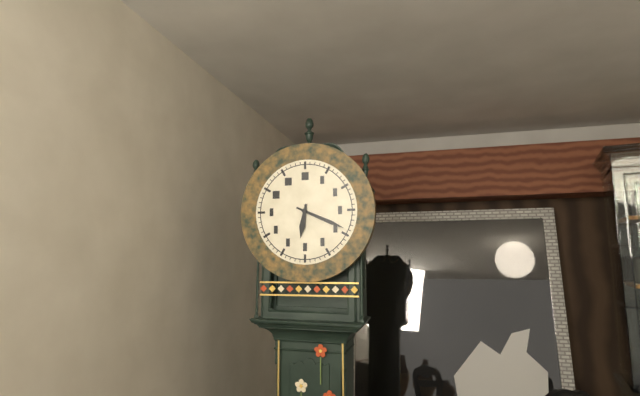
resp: 6h19
